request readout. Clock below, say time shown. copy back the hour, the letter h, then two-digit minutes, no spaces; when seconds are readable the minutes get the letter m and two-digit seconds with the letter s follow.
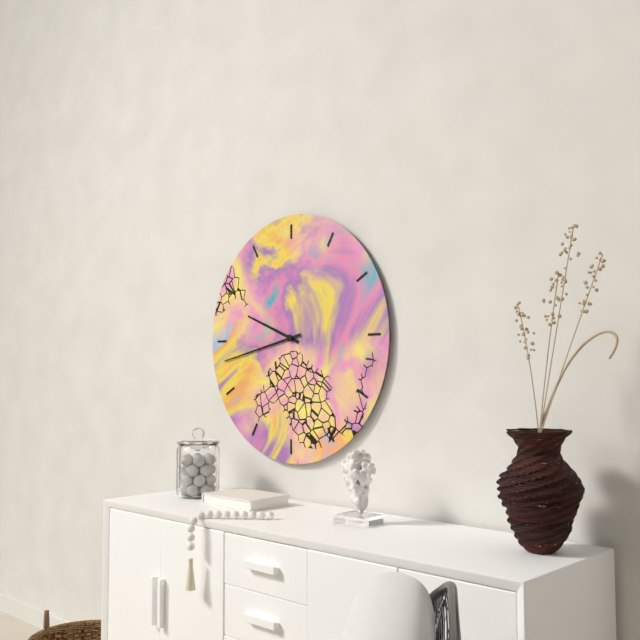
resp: 9h43
